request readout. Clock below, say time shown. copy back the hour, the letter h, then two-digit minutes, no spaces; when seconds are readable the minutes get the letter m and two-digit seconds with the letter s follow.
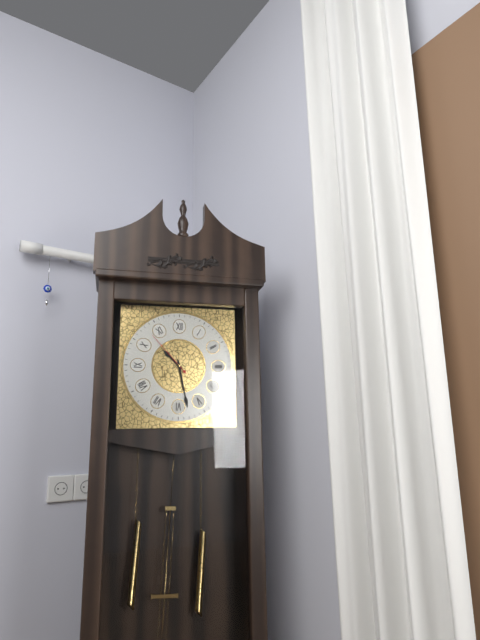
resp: 10h28m53s
